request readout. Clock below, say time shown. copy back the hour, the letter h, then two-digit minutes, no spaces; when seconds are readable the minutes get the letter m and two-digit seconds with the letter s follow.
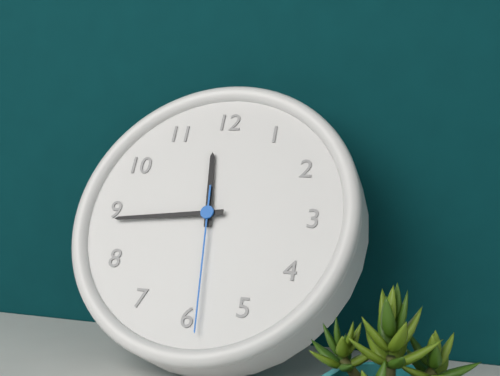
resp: 11h44m29s
